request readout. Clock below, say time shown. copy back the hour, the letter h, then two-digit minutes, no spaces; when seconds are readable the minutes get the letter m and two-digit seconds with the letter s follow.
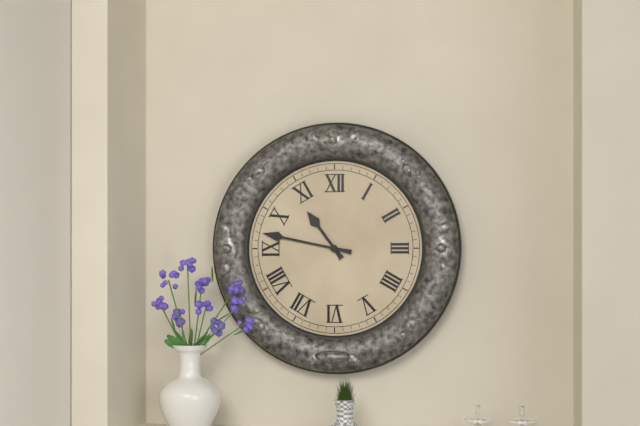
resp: 10h47
